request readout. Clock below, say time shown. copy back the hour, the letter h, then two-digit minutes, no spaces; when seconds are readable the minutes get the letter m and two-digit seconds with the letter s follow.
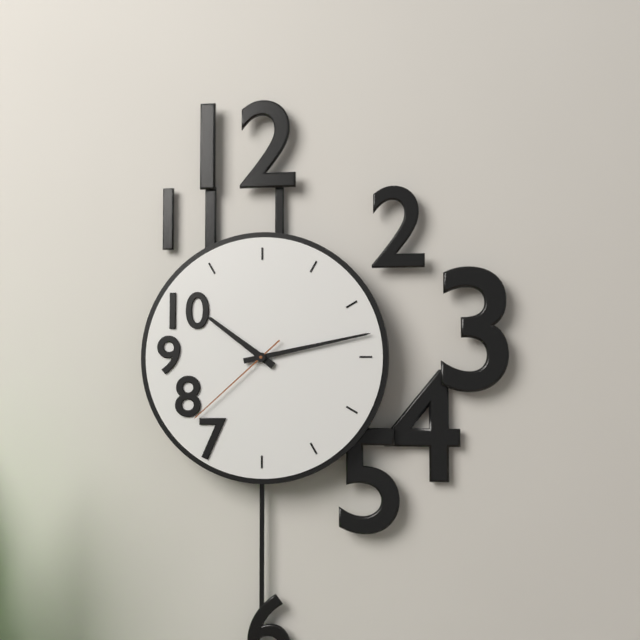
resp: 10h13m38s
